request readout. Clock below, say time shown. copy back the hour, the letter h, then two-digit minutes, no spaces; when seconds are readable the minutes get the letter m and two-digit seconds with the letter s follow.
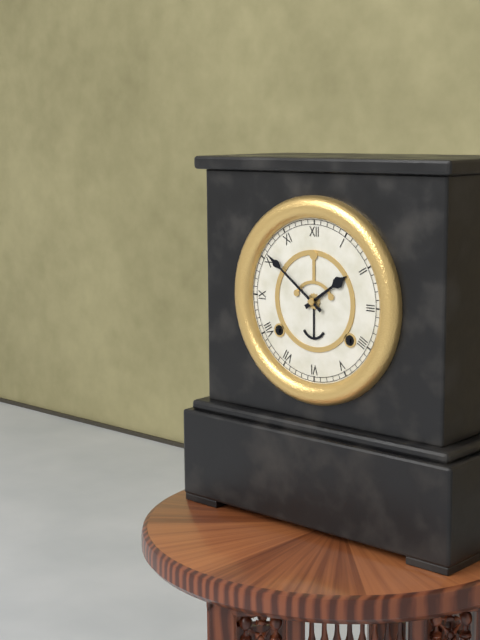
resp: 1h51
